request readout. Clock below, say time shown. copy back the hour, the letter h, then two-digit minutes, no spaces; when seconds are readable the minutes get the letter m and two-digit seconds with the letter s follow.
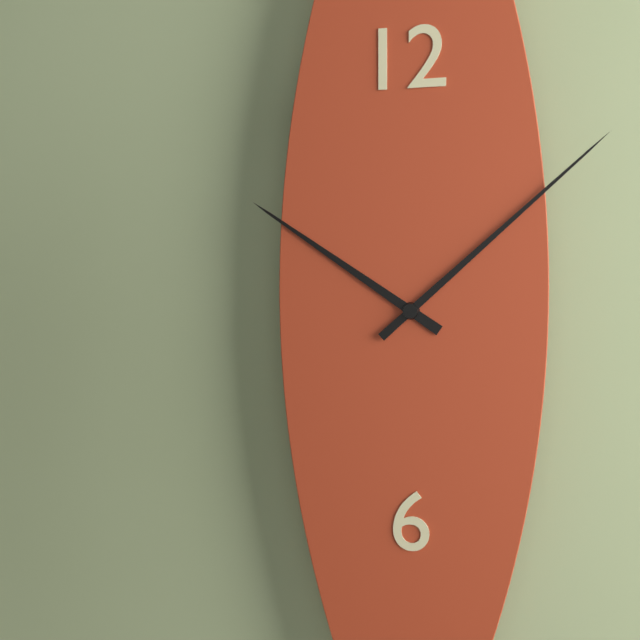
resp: 10h08
